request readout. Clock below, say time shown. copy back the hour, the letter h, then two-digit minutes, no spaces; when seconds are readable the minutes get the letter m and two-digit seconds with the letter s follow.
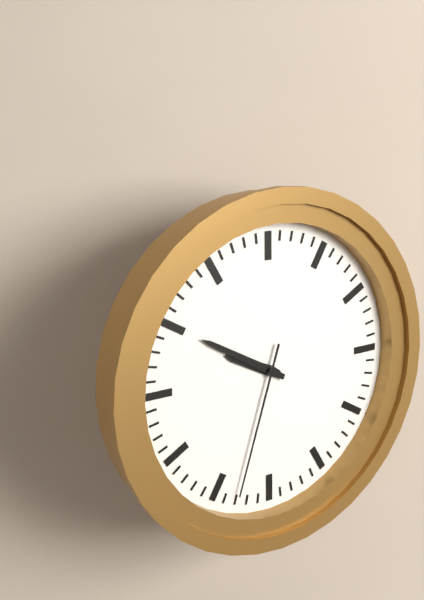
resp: 9h50m33s
